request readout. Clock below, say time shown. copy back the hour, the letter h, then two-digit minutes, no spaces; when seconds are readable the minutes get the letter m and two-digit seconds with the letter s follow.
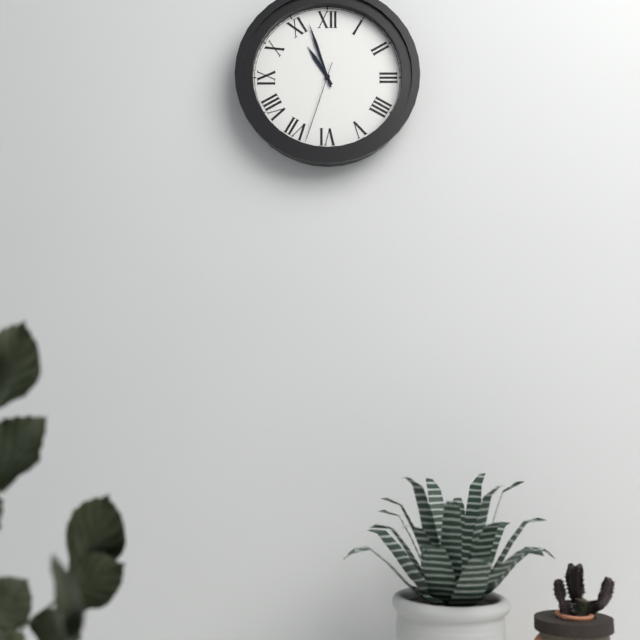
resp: 10h57m33s
